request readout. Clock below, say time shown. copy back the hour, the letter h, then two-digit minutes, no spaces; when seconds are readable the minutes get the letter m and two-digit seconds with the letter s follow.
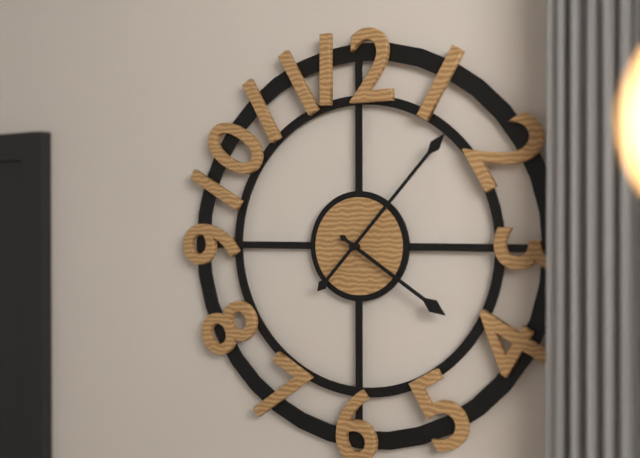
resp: 4h07
